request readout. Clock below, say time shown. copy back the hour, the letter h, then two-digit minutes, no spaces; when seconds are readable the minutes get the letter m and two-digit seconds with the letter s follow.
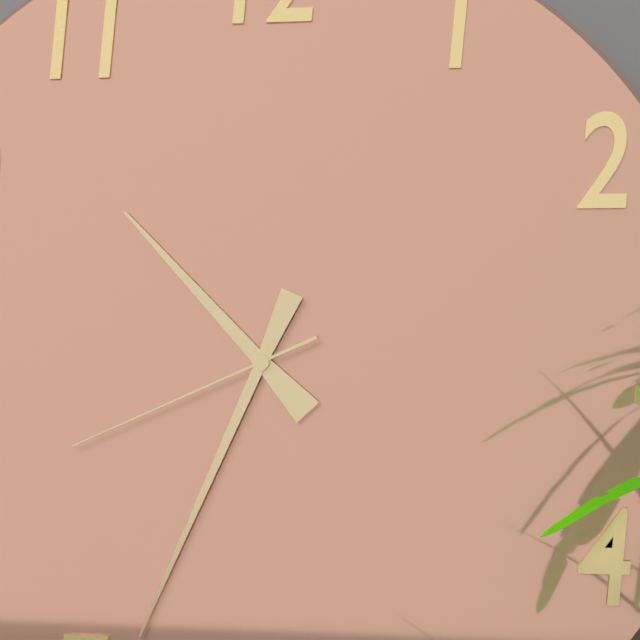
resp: 10h34m41s
